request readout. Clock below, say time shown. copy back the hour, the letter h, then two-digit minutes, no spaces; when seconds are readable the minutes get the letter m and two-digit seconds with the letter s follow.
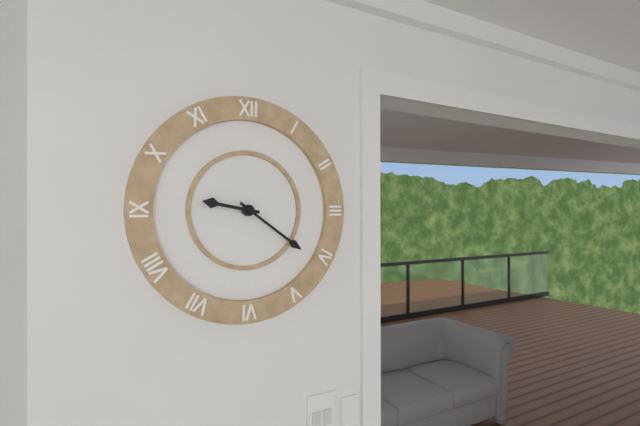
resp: 9h21
